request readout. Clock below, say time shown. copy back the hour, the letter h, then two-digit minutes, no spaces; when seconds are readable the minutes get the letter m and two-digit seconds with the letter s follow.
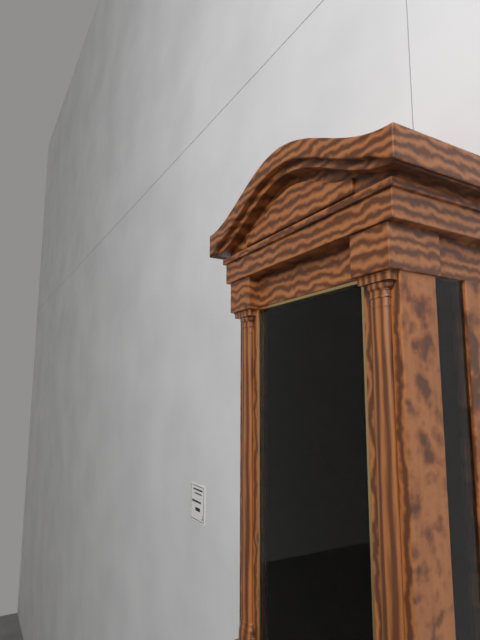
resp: 7h47
